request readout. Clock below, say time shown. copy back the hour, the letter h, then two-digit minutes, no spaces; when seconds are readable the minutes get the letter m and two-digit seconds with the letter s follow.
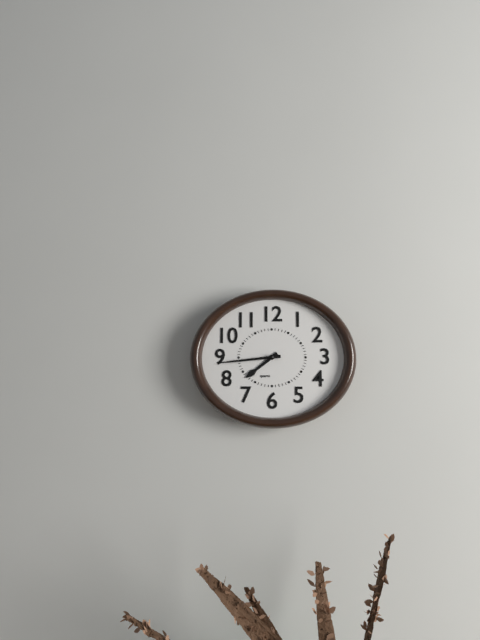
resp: 7h44
